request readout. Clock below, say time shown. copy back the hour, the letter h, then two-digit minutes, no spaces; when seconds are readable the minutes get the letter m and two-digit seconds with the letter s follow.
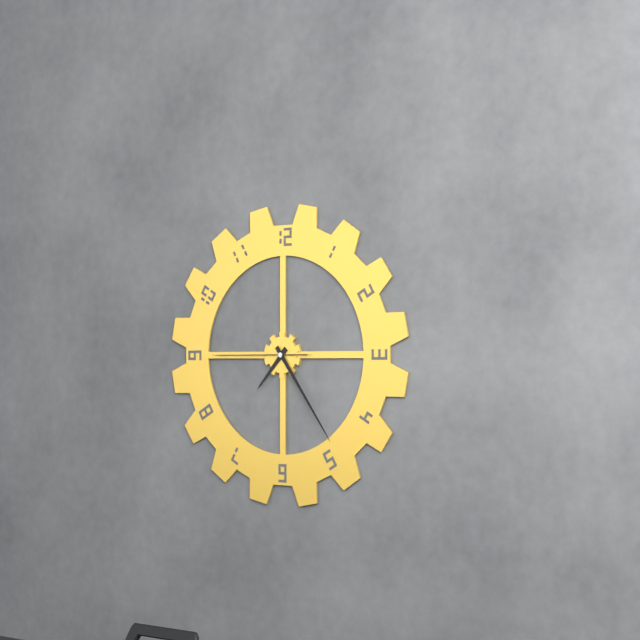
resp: 7h24m45s
